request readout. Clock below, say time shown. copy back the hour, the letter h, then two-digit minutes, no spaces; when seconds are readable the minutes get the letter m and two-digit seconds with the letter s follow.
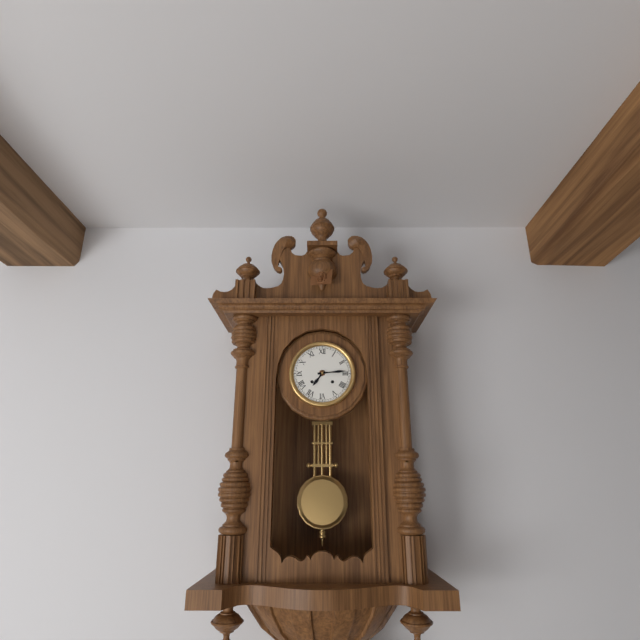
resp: 7h14
